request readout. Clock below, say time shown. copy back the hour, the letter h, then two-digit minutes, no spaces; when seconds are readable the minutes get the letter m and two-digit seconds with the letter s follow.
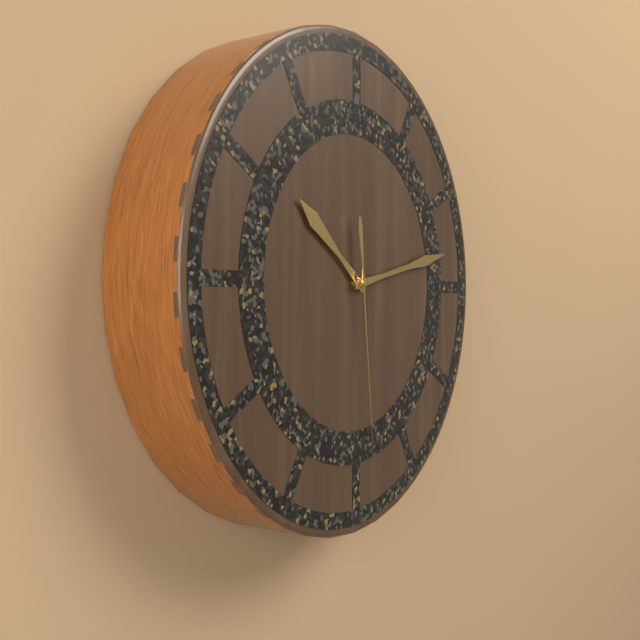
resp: 10h13m29s
